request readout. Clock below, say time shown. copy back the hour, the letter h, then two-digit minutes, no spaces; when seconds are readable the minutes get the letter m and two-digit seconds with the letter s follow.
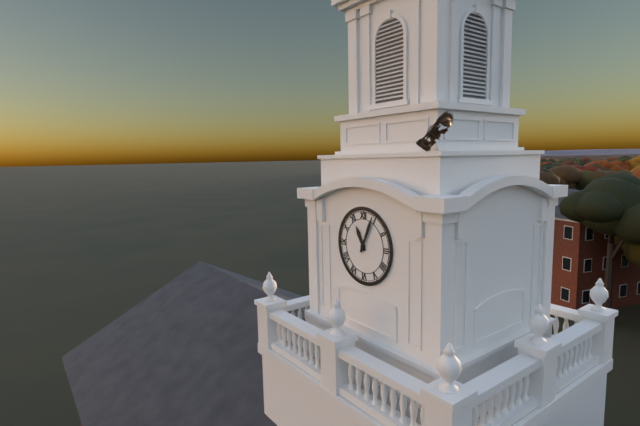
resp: 11h04
